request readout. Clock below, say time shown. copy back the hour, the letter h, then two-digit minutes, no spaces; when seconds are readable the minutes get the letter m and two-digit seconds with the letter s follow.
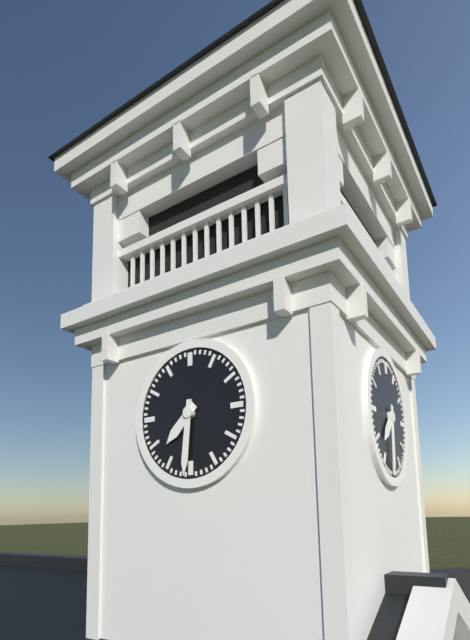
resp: 7h31
